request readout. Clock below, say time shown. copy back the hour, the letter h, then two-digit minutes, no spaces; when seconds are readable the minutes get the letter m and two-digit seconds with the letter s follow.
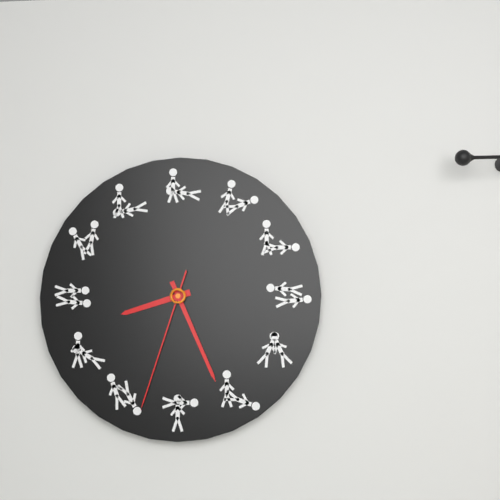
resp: 8h26m33s
